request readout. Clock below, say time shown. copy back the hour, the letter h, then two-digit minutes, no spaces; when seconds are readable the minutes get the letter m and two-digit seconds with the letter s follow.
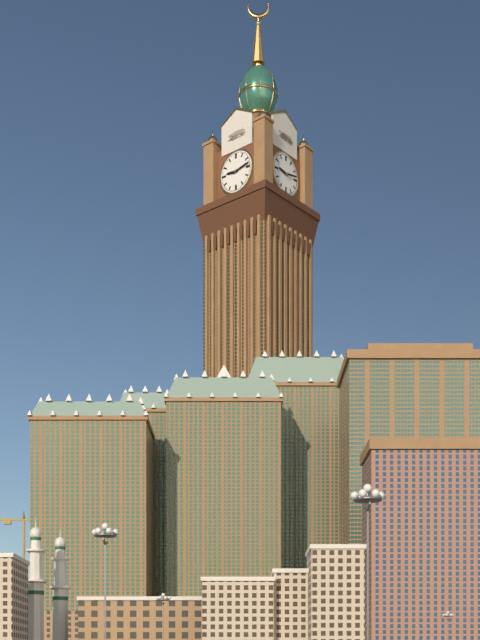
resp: 9h13
